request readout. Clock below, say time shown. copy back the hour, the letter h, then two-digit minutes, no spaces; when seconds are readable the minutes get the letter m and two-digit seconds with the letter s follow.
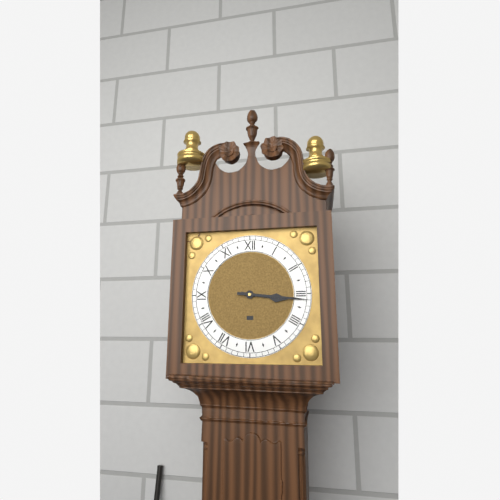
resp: 3h16
